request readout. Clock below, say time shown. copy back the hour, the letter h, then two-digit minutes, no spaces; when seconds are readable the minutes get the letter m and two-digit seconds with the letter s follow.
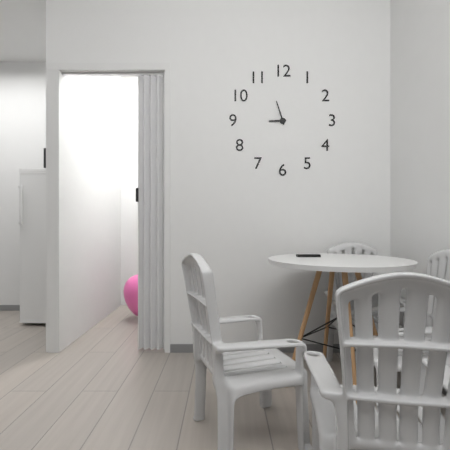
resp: 8h57
